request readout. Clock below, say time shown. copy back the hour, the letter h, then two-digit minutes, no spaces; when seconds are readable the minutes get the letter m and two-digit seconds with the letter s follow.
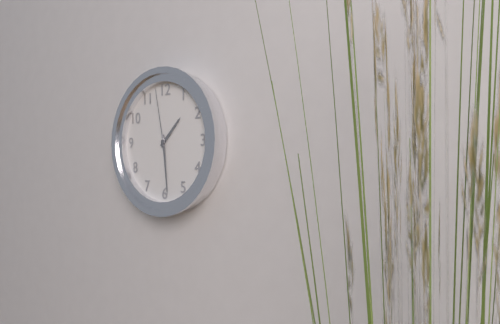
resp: 1h29m58s
